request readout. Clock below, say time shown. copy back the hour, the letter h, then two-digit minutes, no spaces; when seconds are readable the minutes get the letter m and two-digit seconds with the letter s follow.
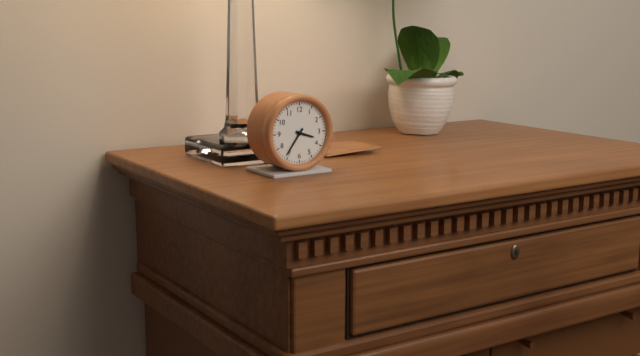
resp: 3h36
